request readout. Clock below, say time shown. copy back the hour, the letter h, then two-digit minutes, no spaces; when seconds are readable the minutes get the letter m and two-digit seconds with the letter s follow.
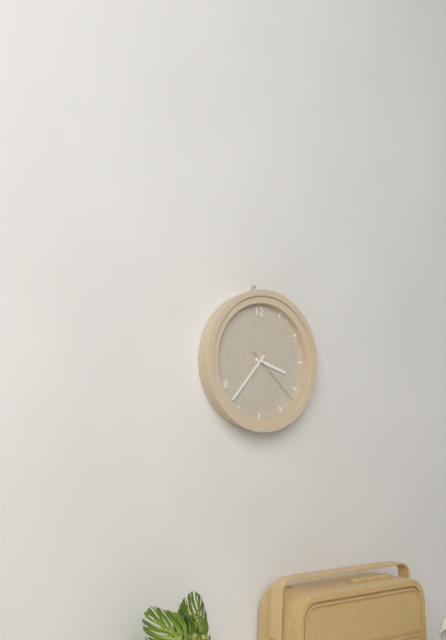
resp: 3h37m22s
